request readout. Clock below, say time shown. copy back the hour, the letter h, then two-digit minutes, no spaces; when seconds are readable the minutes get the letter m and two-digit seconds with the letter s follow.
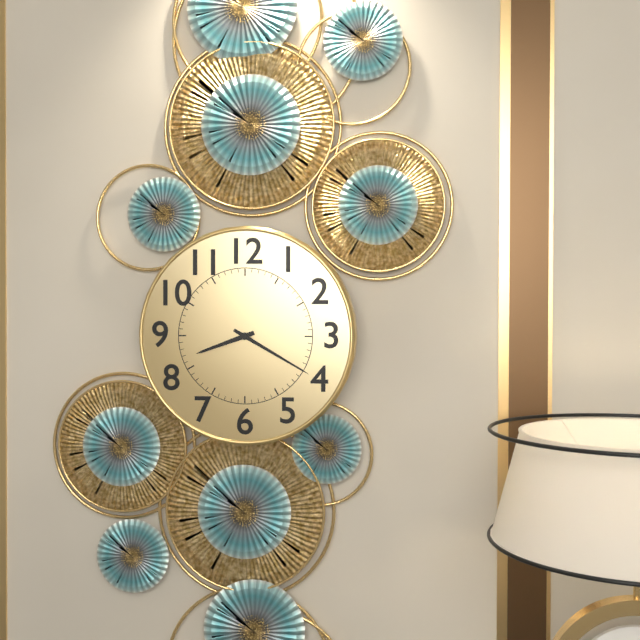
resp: 8h20
